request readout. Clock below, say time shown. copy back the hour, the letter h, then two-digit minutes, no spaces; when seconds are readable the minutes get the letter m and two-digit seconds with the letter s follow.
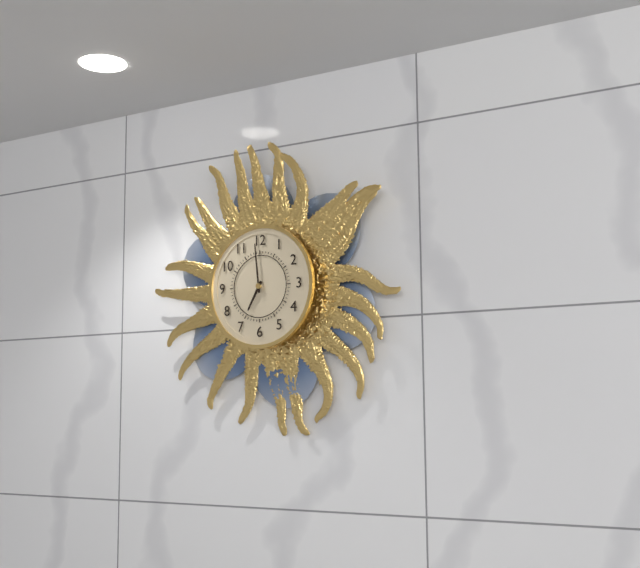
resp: 6h59
